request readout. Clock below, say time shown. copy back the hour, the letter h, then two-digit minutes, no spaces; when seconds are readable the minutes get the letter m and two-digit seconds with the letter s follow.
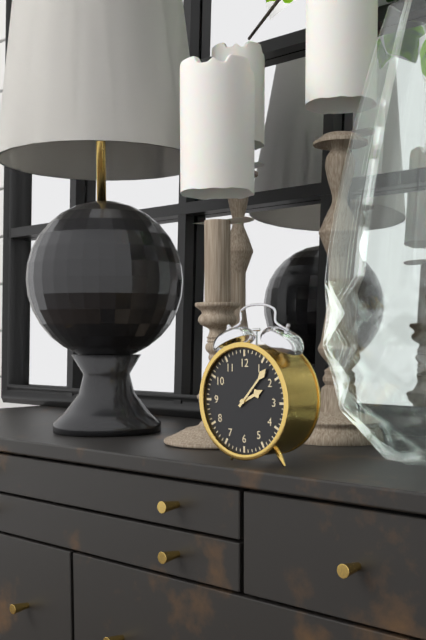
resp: 2h07
